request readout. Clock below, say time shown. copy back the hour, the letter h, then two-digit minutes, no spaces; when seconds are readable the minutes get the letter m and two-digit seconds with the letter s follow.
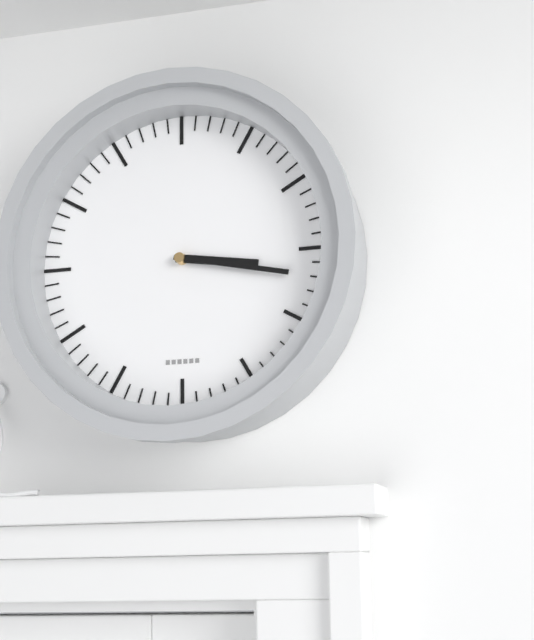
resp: 3h17
